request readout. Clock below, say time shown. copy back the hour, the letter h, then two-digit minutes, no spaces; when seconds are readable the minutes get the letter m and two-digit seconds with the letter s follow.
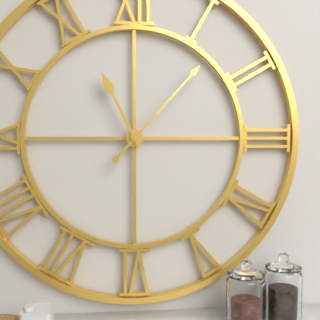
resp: 11h07
